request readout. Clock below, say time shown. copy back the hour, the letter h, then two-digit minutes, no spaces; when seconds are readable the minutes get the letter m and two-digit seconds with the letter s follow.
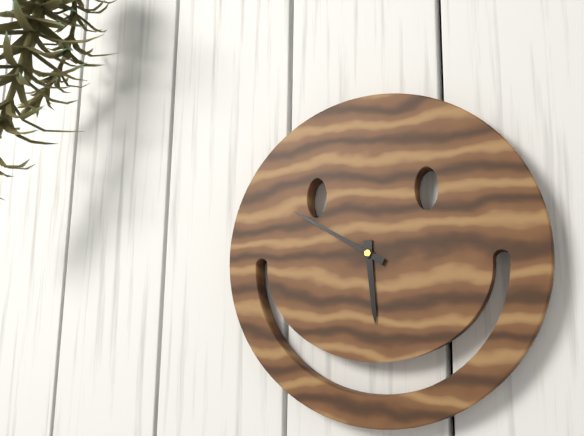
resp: 5h50
